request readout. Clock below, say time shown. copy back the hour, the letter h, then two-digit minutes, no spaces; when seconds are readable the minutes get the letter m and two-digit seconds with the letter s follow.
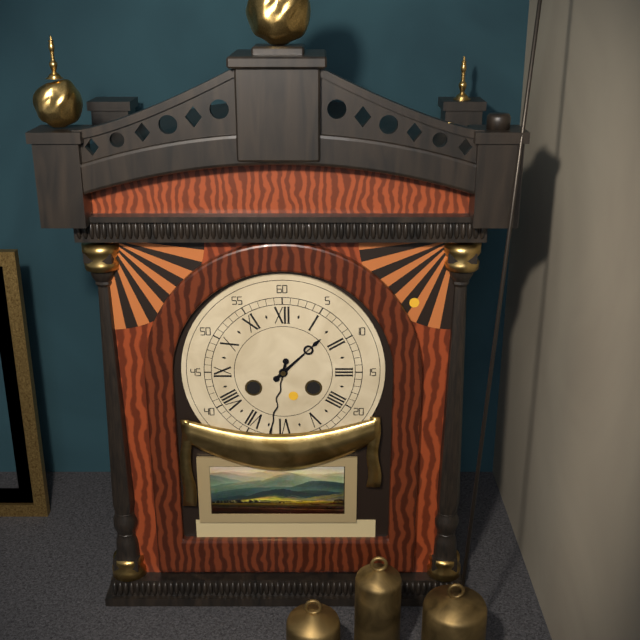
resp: 1h32
